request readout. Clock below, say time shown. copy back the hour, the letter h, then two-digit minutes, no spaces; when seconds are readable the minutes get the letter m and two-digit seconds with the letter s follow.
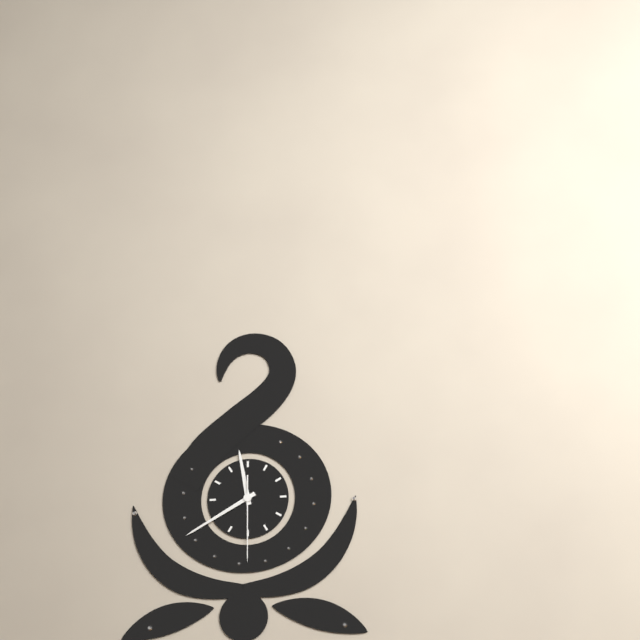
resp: 11h40m30s
